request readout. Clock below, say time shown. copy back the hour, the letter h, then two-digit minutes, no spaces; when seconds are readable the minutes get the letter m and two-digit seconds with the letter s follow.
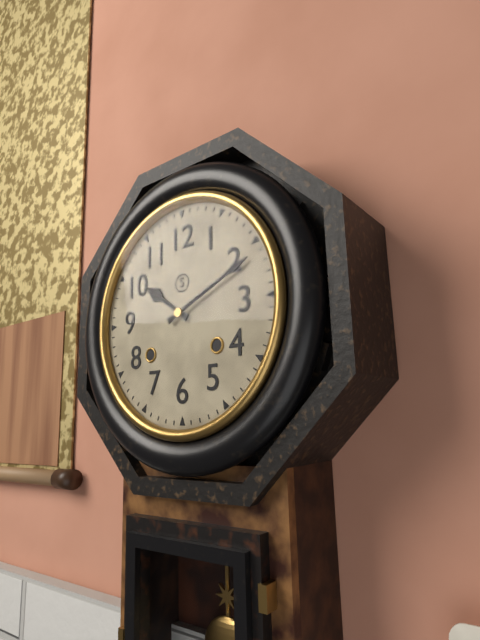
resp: 10h11
